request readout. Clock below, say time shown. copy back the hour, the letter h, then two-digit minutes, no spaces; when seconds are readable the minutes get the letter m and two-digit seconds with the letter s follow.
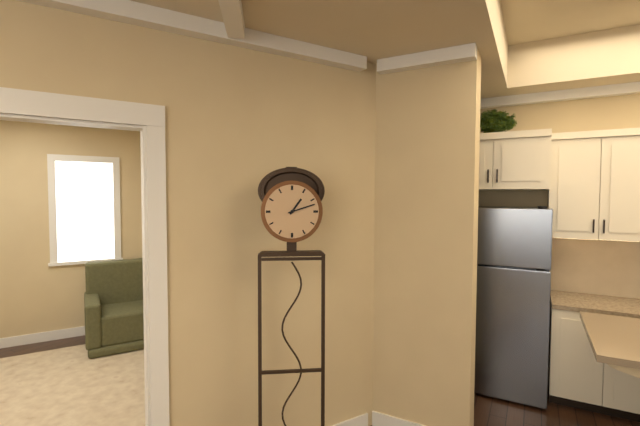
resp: 1h12
